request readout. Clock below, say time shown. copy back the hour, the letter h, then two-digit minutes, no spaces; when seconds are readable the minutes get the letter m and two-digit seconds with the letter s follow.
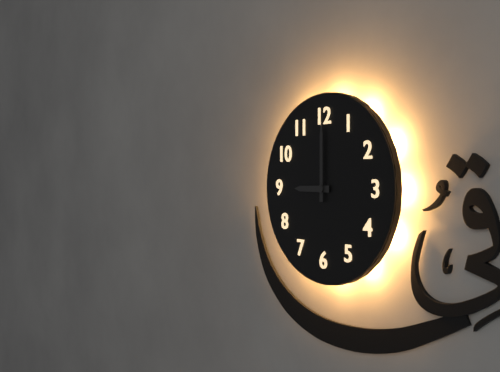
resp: 9h00
